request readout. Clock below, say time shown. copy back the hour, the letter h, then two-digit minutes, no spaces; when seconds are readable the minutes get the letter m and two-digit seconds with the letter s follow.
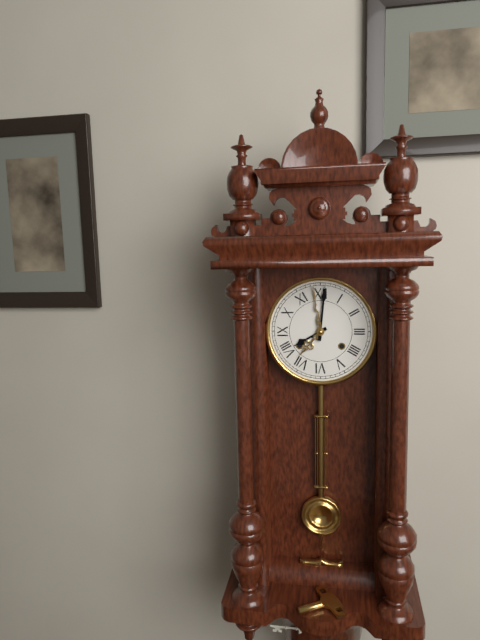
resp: 8h01
